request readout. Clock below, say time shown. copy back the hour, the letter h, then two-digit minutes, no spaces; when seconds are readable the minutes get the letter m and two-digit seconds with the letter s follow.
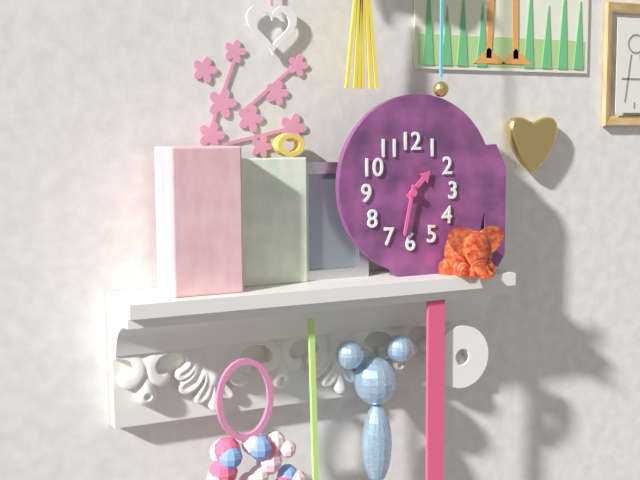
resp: 1h32
